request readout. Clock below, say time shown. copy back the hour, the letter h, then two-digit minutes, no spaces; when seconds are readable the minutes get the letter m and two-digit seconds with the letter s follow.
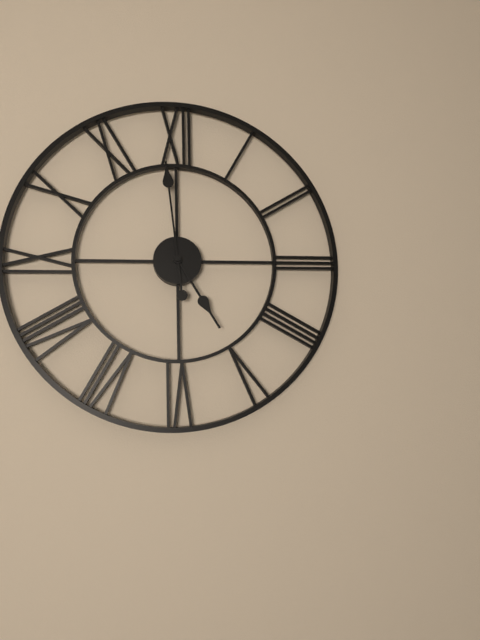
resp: 4h59
